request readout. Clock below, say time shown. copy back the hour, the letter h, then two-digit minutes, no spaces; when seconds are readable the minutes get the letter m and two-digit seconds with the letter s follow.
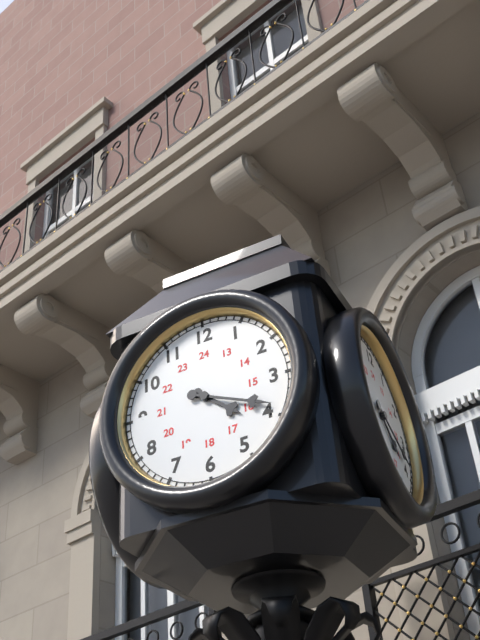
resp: 4h19
